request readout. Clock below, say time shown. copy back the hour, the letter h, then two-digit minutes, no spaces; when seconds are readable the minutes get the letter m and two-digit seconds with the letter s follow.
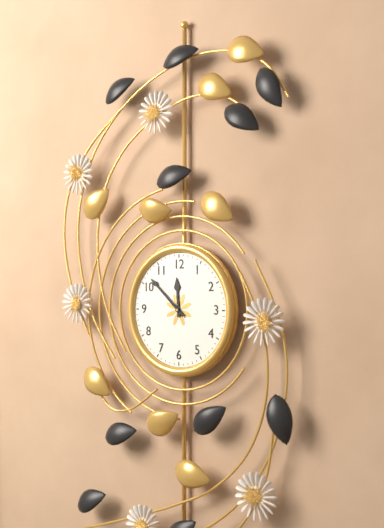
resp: 11h52
